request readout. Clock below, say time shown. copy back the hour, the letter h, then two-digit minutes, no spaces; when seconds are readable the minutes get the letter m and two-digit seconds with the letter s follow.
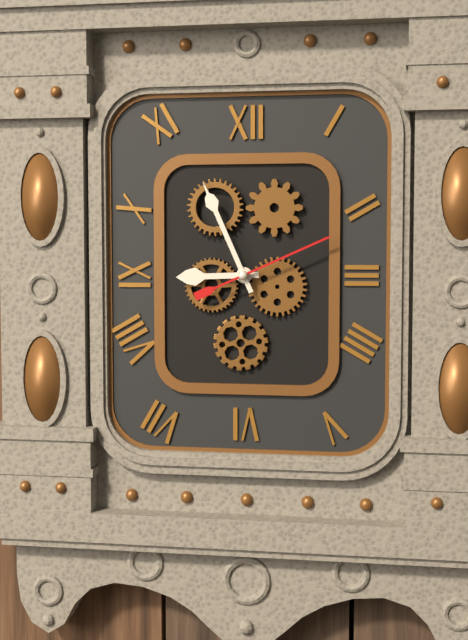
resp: 8h56m11s
